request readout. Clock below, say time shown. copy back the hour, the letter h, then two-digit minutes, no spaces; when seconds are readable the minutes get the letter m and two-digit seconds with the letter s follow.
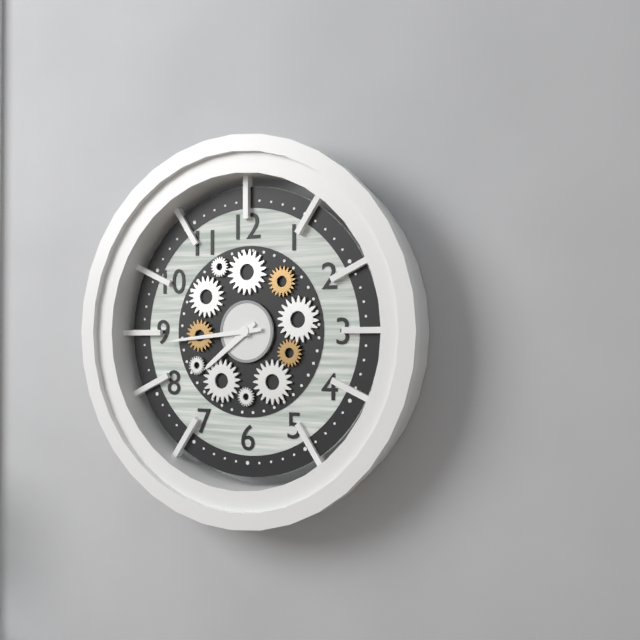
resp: 7h44
